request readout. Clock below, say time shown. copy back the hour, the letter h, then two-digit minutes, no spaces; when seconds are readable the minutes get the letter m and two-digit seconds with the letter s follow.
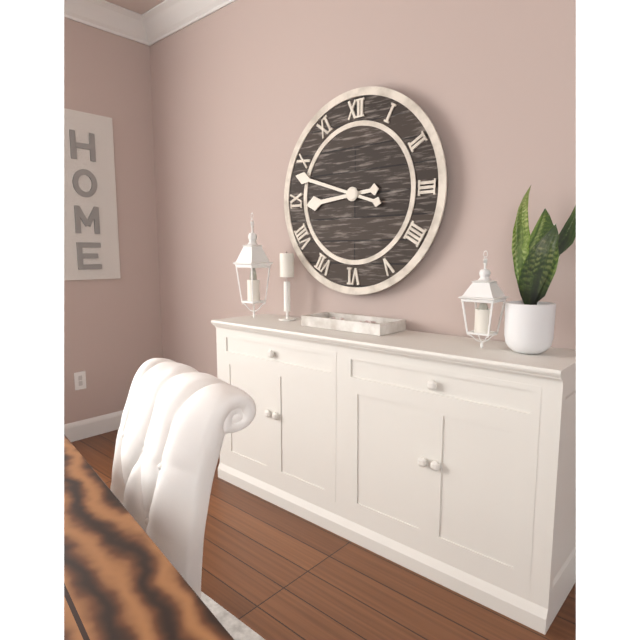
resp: 8h48
